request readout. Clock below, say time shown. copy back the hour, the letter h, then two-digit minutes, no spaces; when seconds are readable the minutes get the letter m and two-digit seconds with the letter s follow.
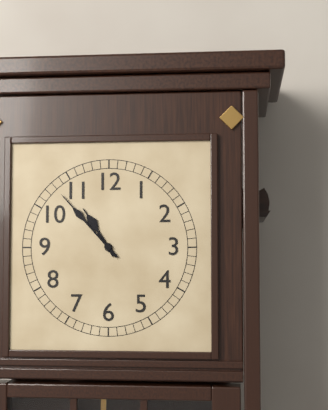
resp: 10h53
